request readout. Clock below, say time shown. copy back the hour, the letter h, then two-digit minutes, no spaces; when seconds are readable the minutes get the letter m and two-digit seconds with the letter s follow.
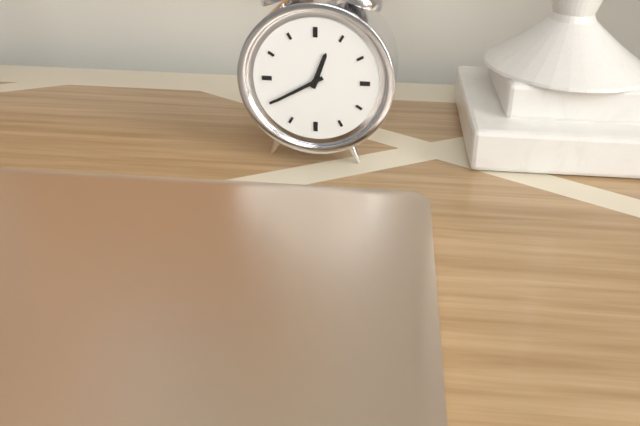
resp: 12h40
